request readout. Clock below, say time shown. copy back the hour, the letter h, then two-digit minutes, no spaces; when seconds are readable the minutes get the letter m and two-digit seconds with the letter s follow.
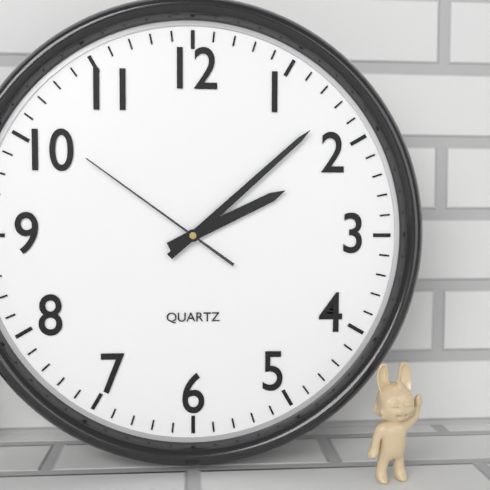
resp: 2h08m51s
